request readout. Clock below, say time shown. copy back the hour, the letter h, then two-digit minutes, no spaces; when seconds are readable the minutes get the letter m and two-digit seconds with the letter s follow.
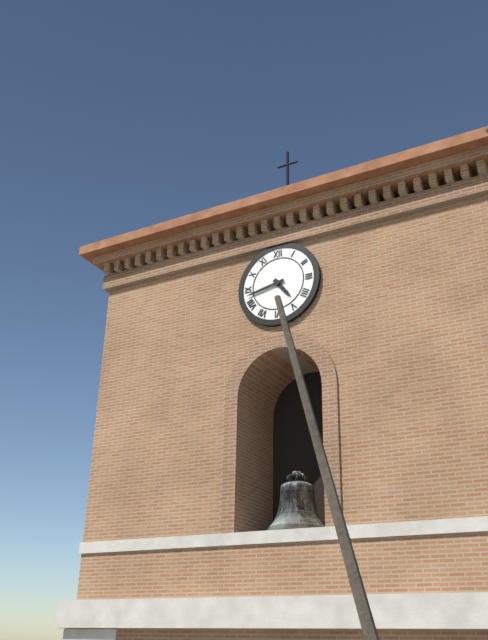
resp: 4h43
